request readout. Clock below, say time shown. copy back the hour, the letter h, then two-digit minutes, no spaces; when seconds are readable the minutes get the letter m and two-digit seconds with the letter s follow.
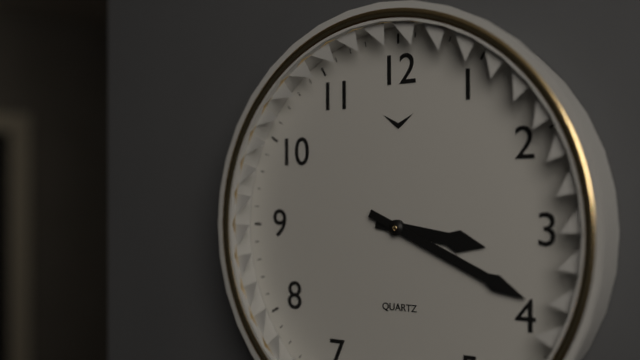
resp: 3h19
